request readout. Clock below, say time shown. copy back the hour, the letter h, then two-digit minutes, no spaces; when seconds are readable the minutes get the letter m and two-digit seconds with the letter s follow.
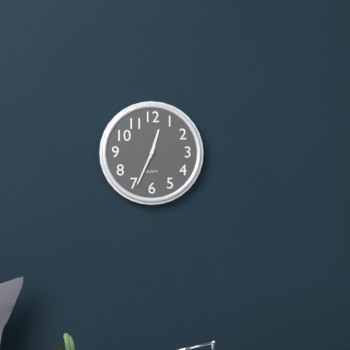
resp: 12h34
